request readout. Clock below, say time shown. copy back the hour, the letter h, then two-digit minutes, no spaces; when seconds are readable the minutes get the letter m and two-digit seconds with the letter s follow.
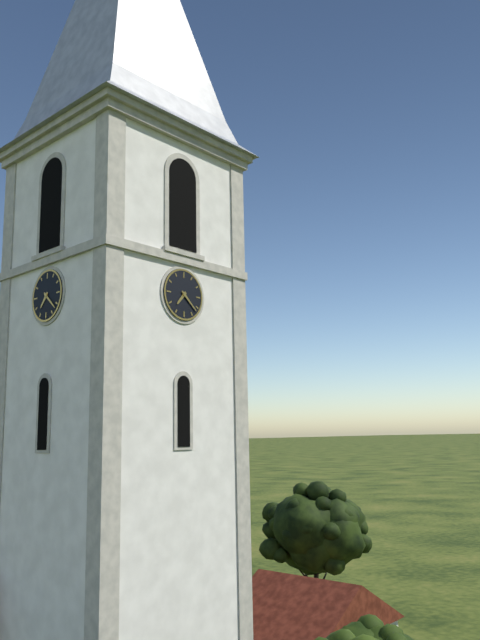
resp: 7h22
